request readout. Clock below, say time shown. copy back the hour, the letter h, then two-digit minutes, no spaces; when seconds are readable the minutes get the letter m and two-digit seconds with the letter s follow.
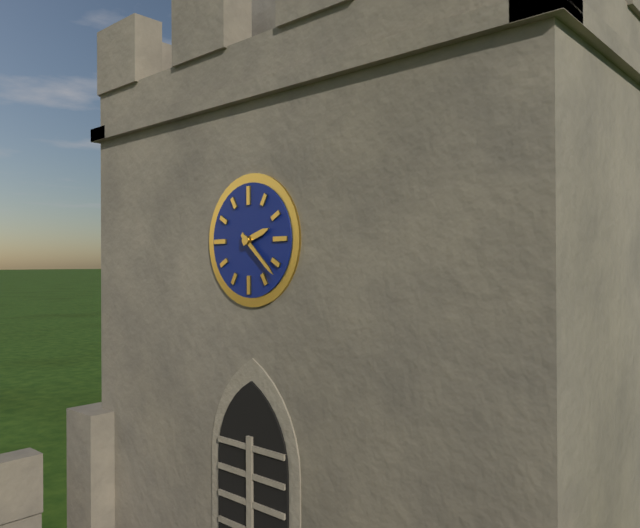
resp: 2h22
